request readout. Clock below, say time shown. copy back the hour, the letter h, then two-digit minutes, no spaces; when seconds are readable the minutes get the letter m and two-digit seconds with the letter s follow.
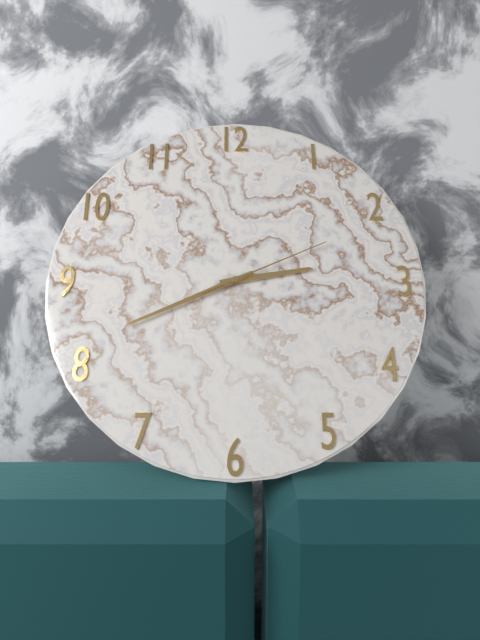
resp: 2h41m11s
